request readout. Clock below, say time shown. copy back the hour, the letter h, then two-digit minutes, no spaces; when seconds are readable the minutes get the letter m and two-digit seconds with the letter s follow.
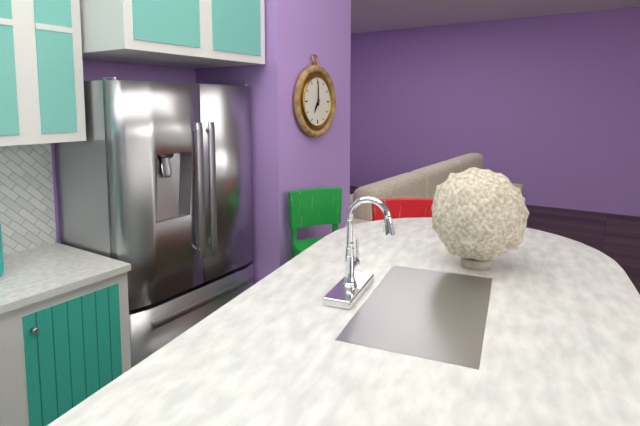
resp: 7h00
